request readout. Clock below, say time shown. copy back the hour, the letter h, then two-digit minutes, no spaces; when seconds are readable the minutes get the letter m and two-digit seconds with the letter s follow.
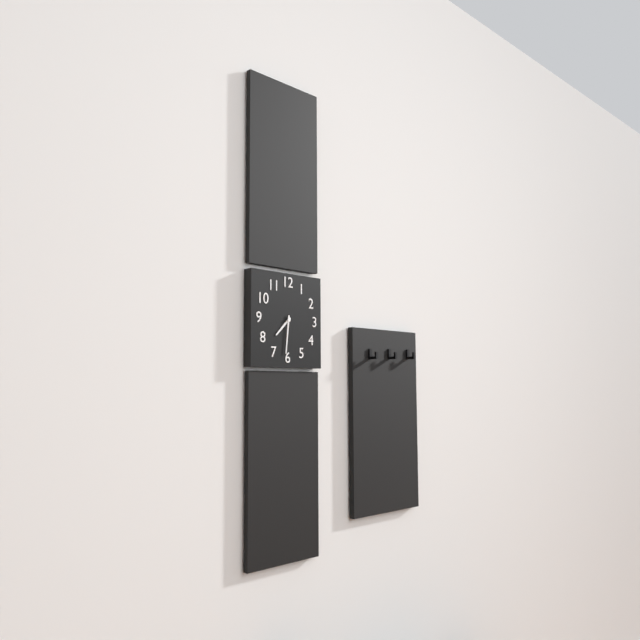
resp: 7h31
